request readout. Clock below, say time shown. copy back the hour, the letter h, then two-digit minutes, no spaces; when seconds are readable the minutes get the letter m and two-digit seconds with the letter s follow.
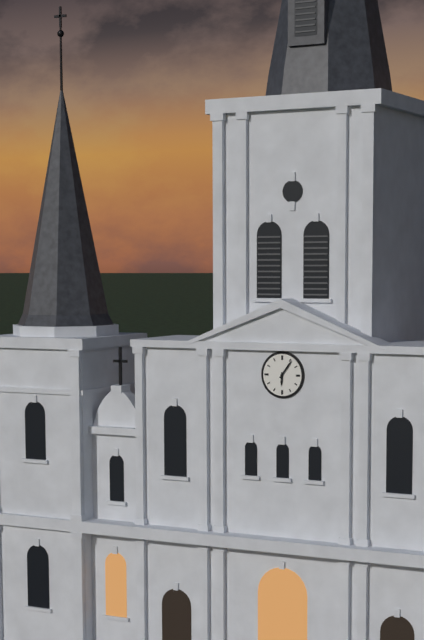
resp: 6h06
